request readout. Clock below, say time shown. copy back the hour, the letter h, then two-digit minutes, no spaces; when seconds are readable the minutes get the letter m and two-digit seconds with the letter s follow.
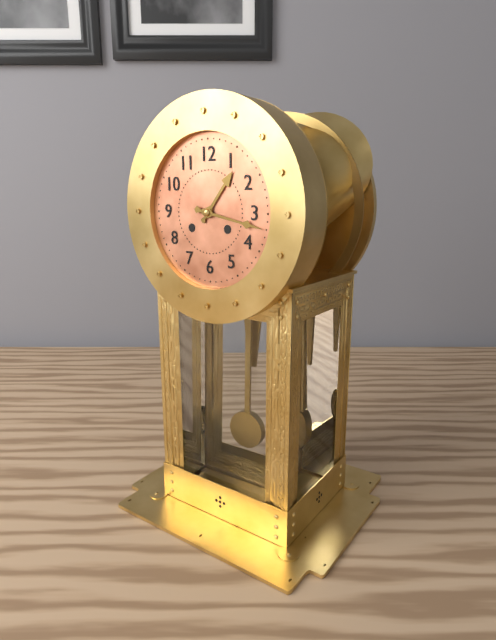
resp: 1h17
